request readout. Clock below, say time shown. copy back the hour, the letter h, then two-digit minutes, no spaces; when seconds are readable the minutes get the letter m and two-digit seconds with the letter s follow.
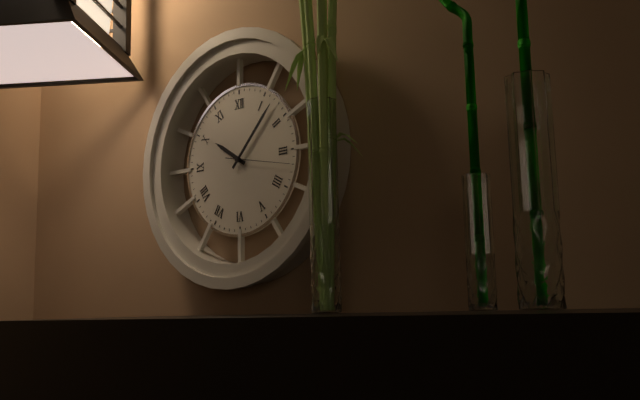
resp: 10h07m17s
